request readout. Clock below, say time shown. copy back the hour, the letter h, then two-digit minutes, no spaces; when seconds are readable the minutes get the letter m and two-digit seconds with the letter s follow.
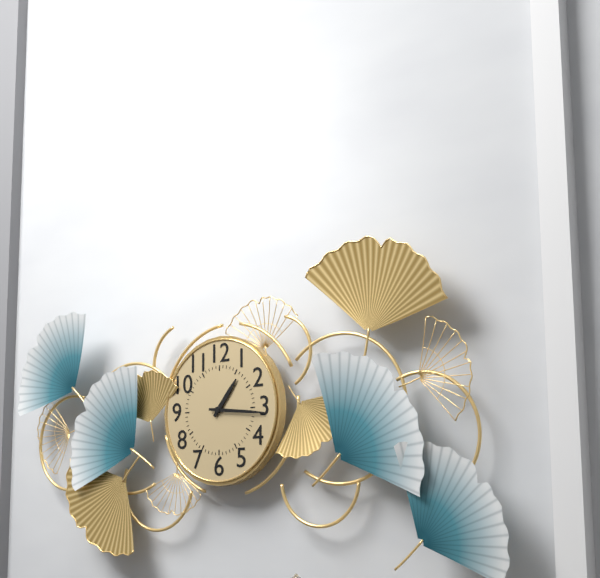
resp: 1h16
